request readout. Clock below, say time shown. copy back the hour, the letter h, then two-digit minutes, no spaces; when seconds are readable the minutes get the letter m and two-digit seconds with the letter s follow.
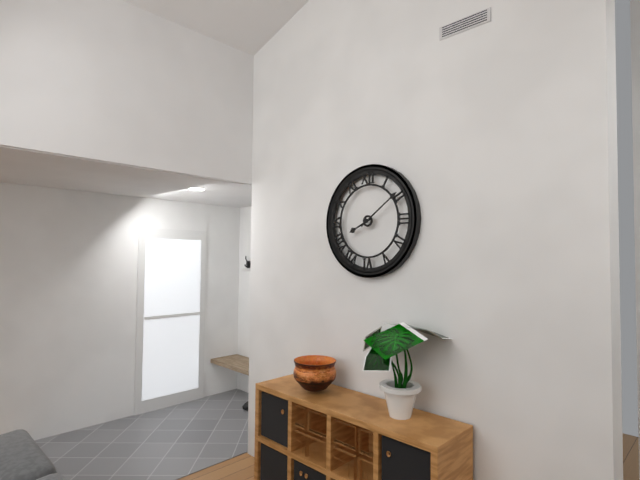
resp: 8h09
